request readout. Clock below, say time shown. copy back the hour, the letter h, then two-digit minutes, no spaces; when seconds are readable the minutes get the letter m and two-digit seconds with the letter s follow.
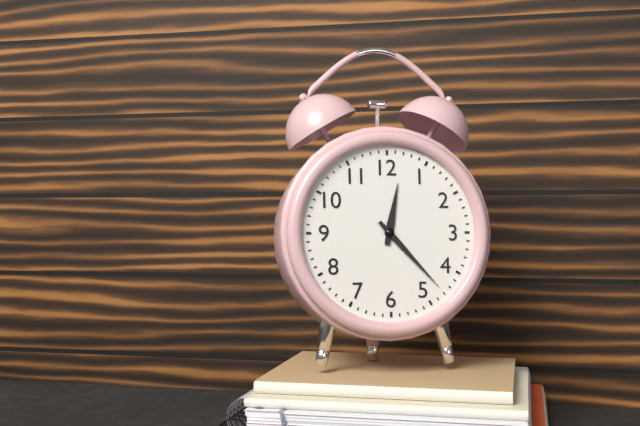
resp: 12h23
